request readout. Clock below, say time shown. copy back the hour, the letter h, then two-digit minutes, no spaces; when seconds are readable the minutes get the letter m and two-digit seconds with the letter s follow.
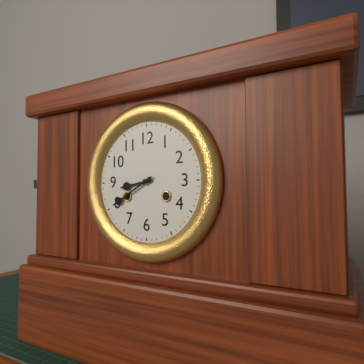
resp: 8h40
